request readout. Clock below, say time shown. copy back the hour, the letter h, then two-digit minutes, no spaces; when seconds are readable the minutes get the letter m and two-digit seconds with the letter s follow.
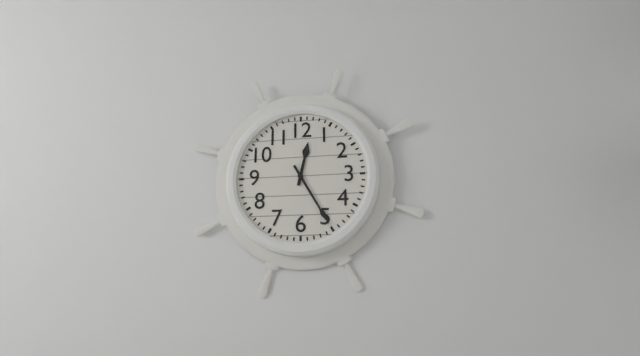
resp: 12h25
